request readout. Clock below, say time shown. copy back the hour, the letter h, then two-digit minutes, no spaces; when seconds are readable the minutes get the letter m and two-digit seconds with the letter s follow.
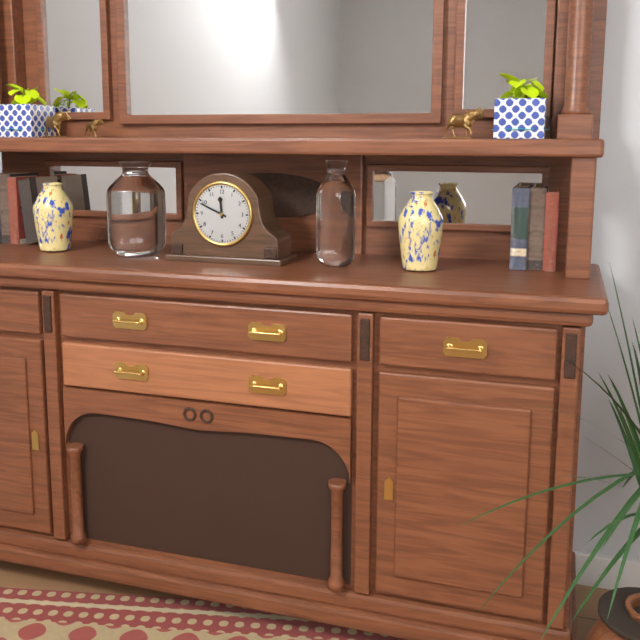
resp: 11h49
